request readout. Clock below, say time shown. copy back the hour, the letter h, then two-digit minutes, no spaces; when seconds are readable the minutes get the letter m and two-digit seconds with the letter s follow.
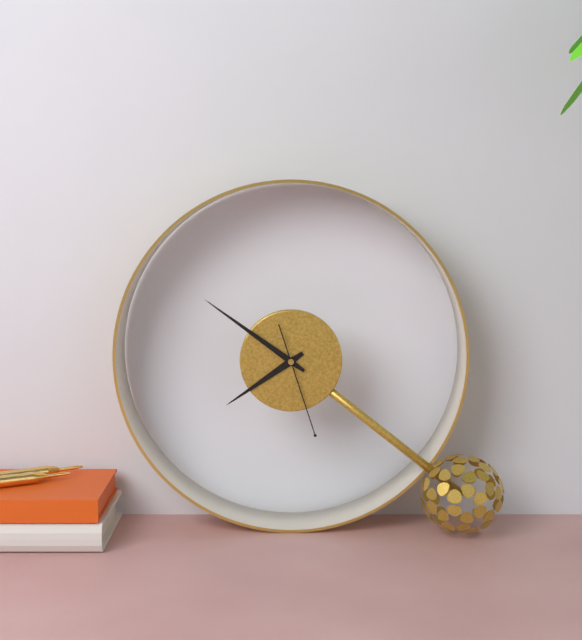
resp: 7h51m27s
